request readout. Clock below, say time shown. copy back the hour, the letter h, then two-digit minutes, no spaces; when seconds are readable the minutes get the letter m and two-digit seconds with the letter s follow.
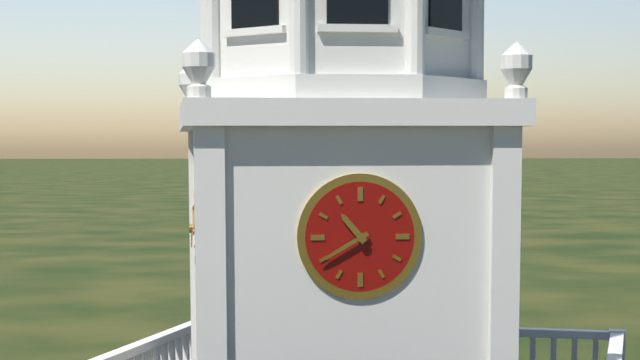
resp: 10h40
